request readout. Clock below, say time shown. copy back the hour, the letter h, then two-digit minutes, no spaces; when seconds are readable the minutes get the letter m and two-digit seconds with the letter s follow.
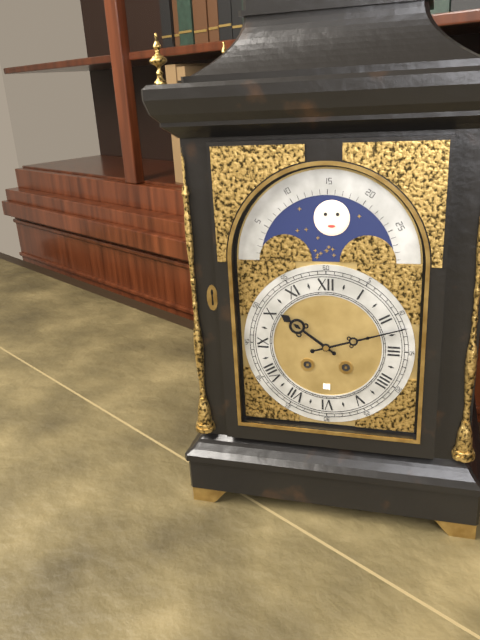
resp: 10h12
